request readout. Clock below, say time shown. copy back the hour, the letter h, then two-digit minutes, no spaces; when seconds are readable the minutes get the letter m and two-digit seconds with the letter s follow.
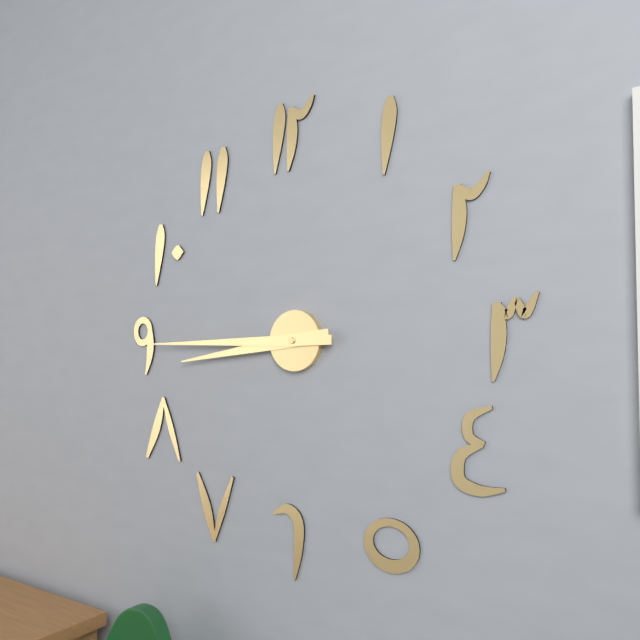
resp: 8h45
